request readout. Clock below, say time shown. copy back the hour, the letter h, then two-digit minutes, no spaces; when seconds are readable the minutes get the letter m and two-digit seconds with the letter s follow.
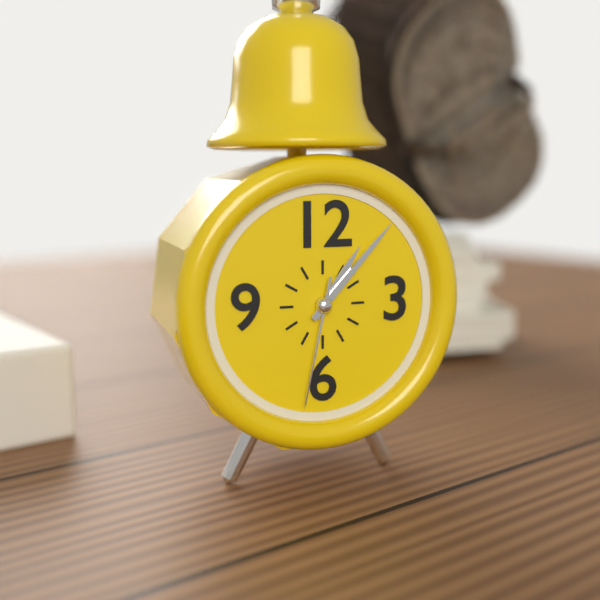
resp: 1h07m32s
